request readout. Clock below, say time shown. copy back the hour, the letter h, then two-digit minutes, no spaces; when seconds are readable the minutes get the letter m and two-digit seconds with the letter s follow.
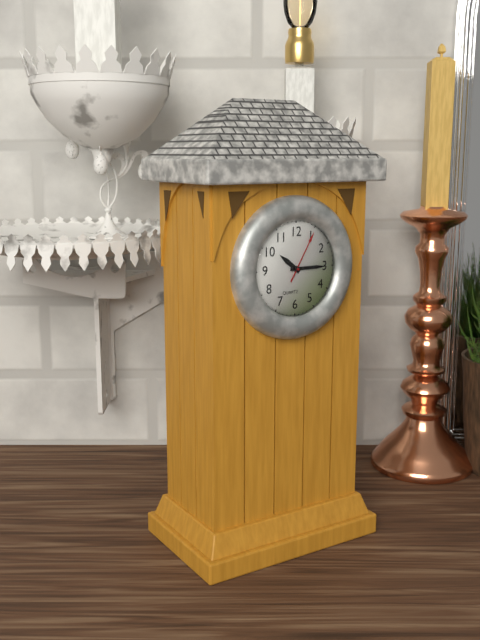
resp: 10h15m05s
